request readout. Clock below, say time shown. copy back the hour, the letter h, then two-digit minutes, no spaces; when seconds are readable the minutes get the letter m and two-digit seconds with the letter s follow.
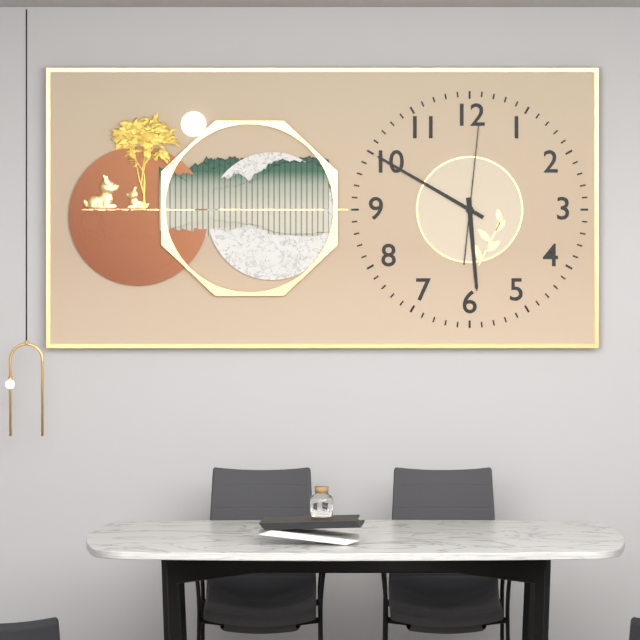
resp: 5h50m01s
